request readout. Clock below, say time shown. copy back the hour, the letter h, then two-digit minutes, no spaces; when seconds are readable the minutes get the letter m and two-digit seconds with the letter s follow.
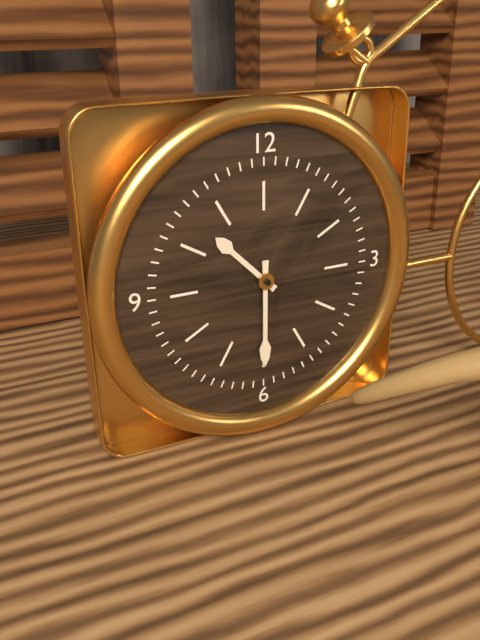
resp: 10h30
